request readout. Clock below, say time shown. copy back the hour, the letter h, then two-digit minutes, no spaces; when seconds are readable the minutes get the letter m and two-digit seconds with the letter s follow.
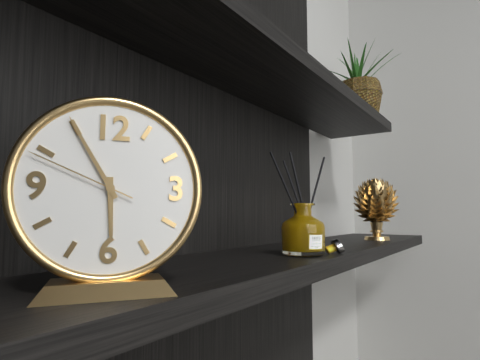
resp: 5h55m49s
